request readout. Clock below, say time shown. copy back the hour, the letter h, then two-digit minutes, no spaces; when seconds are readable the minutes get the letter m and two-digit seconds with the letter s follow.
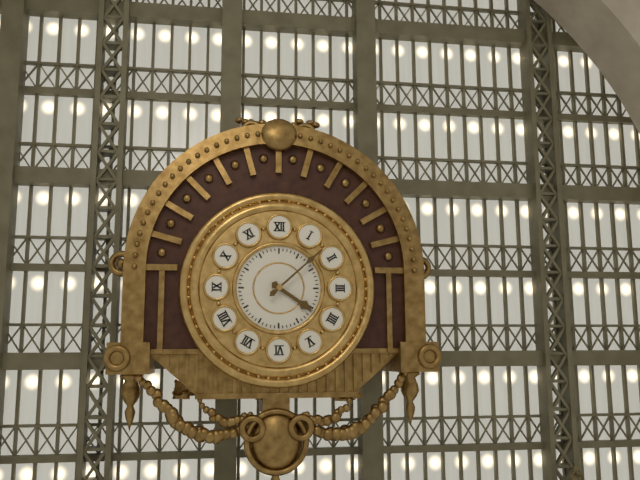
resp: 4h08
